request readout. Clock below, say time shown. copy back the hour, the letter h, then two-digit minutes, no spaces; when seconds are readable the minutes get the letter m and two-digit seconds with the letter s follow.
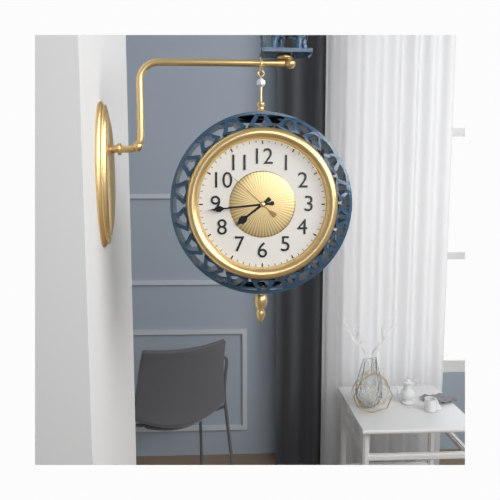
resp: 7h44m52s
